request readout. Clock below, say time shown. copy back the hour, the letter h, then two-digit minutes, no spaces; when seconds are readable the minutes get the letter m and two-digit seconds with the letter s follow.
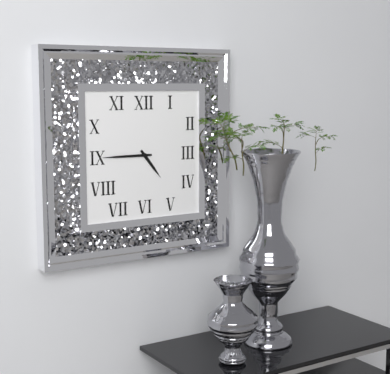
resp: 4h45
